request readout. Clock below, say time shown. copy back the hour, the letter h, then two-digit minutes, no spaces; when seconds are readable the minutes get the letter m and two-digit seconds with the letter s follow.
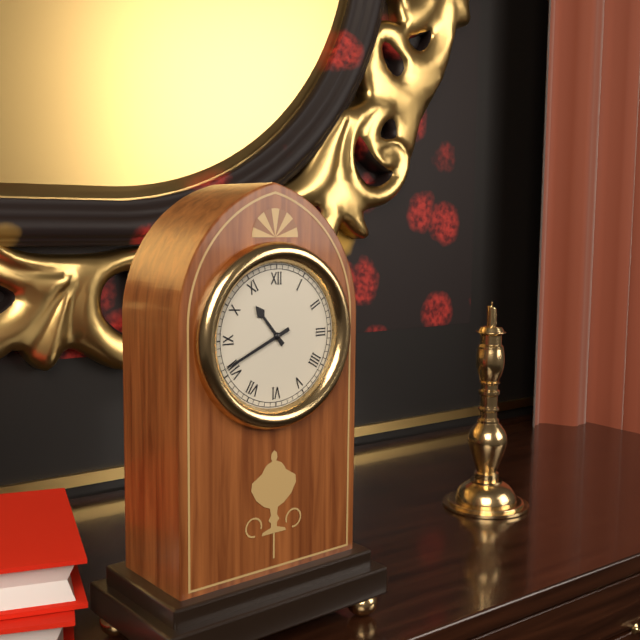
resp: 10h41
